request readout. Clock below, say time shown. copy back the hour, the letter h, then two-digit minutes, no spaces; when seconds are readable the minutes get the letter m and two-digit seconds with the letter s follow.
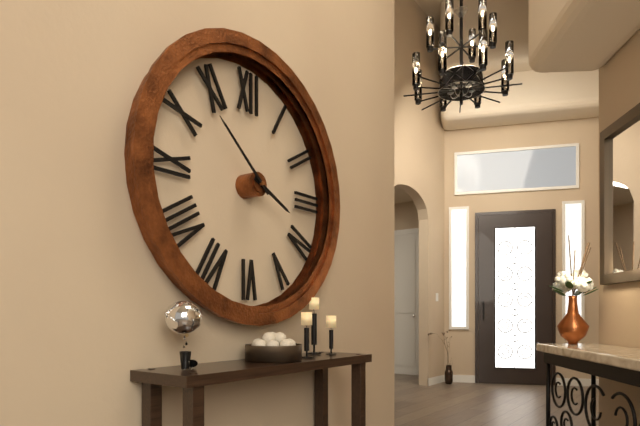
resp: 3h52
